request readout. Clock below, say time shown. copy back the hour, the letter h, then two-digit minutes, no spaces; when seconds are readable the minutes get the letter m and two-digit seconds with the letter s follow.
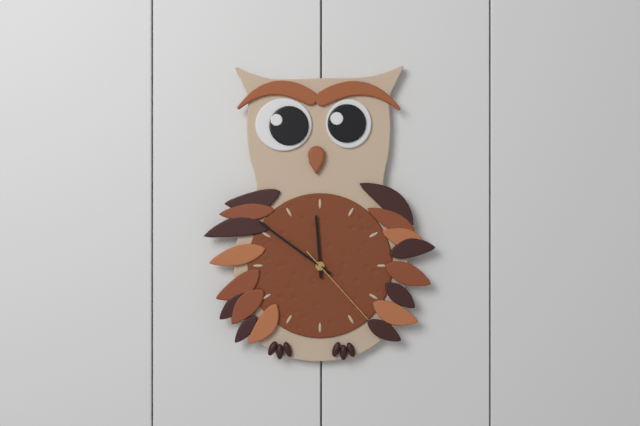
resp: 11h51m23s
